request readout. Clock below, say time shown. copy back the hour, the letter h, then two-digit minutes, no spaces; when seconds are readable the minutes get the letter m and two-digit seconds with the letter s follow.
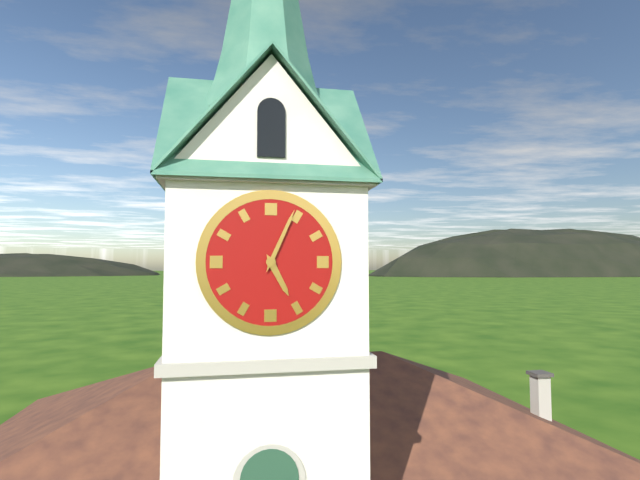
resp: 5h04
